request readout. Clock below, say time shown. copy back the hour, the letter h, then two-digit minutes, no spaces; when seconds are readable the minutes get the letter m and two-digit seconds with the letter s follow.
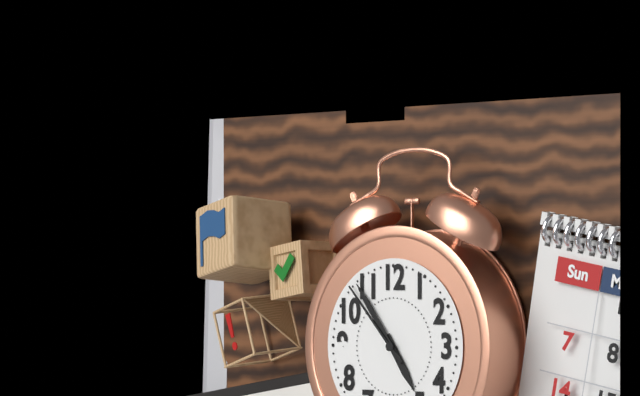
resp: 4h54m53s
